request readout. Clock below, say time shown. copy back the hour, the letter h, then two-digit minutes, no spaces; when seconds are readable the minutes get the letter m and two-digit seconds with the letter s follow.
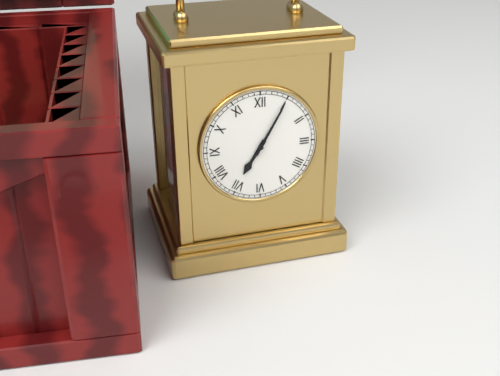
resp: 7h05
